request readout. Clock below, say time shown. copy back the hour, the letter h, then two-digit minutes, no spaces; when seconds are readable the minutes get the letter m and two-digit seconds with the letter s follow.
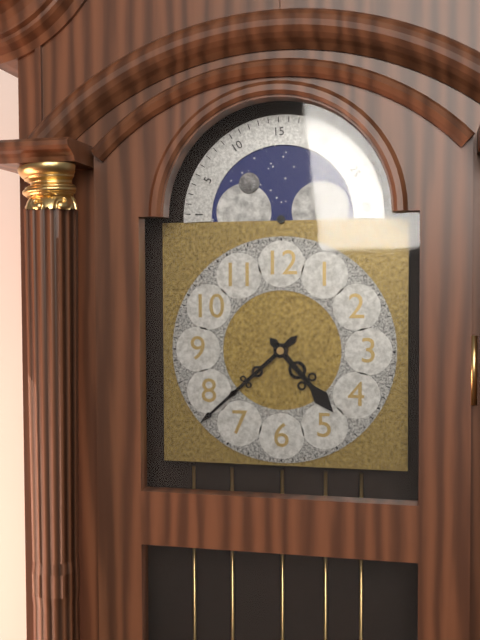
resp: 4h38
